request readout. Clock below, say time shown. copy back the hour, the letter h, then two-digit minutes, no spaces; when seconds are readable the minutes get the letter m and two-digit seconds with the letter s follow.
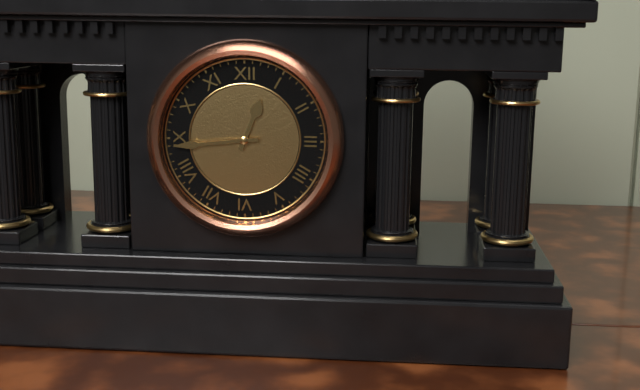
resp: 12h44
